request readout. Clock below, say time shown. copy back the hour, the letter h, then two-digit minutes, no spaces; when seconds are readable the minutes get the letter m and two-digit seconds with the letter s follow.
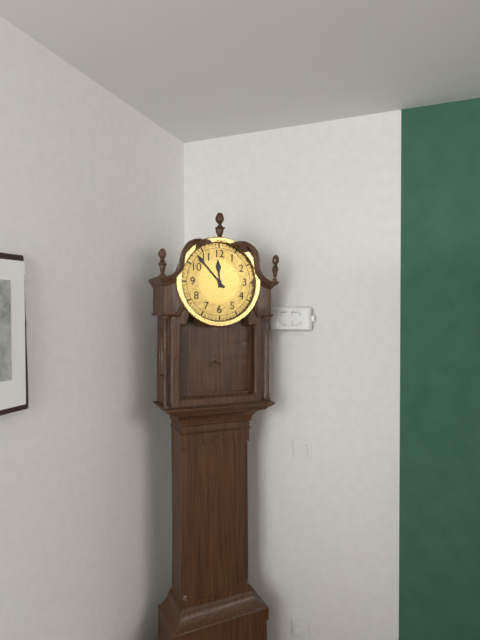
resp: 11h53
